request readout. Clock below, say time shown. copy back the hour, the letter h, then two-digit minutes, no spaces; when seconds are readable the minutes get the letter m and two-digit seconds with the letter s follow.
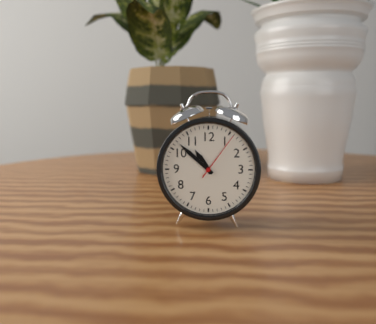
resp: 10h52
